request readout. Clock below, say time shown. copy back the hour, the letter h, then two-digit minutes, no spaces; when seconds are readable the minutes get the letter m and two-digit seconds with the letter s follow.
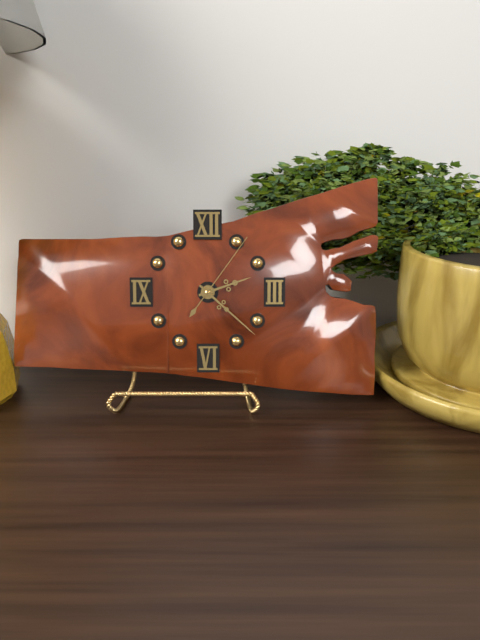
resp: 2h22m06s
